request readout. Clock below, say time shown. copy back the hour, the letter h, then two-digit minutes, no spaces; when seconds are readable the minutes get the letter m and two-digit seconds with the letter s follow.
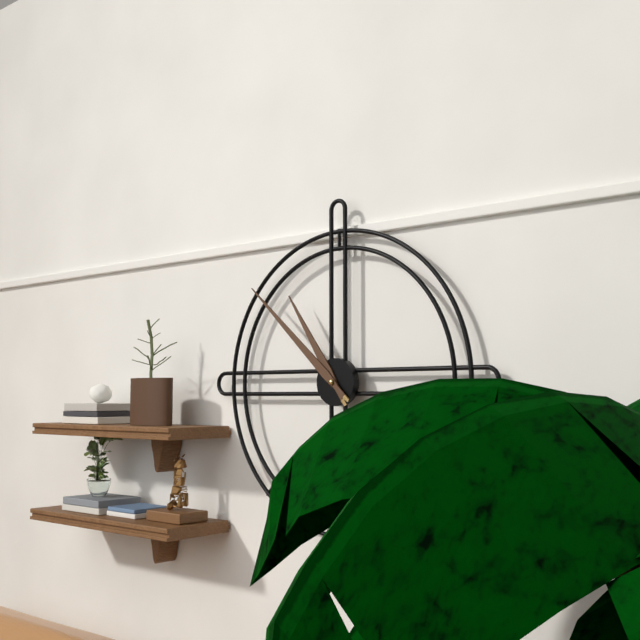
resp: 10h52
